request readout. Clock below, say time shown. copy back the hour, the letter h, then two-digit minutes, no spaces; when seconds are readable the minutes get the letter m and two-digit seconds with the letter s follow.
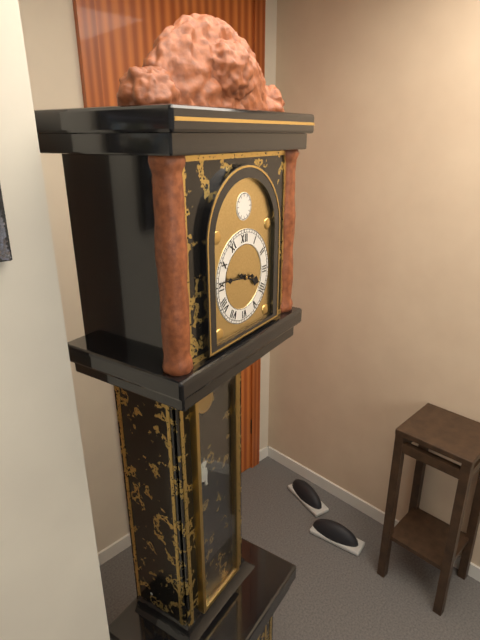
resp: 3h46
